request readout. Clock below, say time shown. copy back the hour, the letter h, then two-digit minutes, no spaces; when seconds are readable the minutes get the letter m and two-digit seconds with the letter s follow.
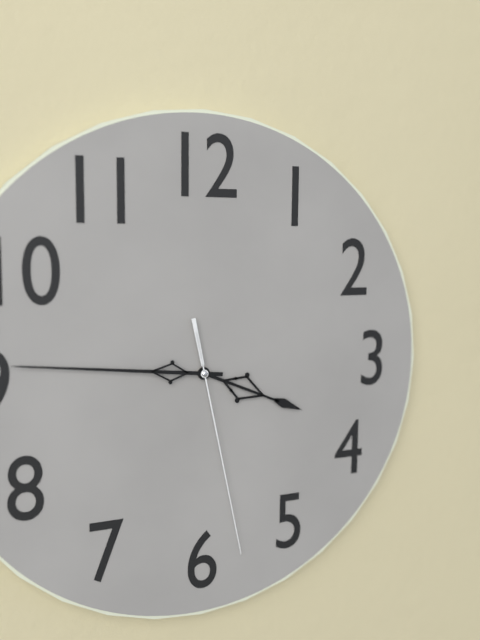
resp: 3h46m28s
